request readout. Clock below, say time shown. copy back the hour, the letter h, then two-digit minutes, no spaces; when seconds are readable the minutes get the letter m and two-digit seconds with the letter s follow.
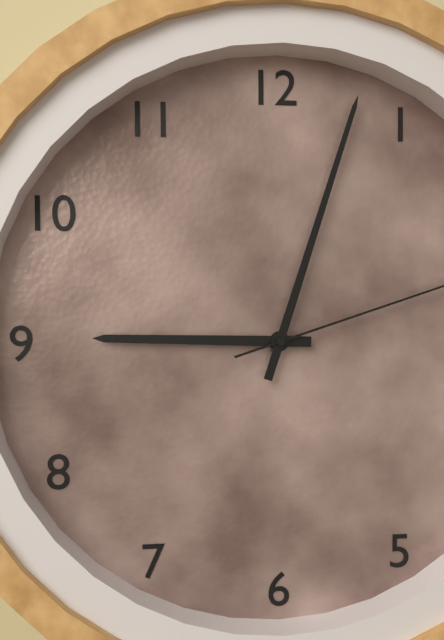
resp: 9h03
